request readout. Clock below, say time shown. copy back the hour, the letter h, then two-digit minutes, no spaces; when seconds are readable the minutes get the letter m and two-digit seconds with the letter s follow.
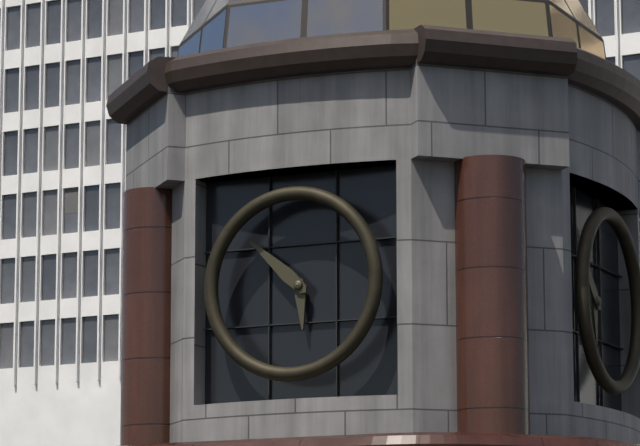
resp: 5h52
